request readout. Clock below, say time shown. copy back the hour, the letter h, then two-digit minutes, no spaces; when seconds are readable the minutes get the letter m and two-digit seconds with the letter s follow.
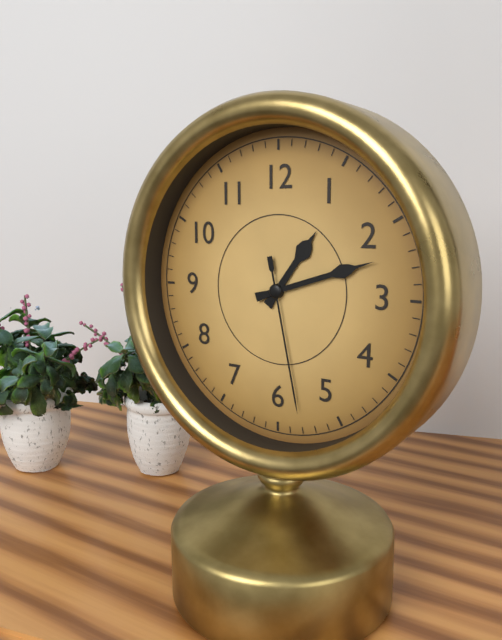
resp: 1h12m28s
